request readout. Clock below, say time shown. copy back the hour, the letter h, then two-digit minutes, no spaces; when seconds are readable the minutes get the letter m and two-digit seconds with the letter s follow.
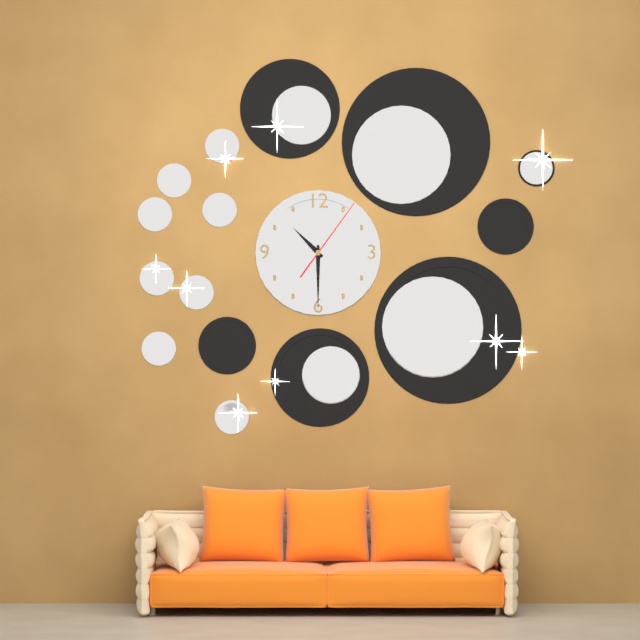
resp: 10h30m06s
